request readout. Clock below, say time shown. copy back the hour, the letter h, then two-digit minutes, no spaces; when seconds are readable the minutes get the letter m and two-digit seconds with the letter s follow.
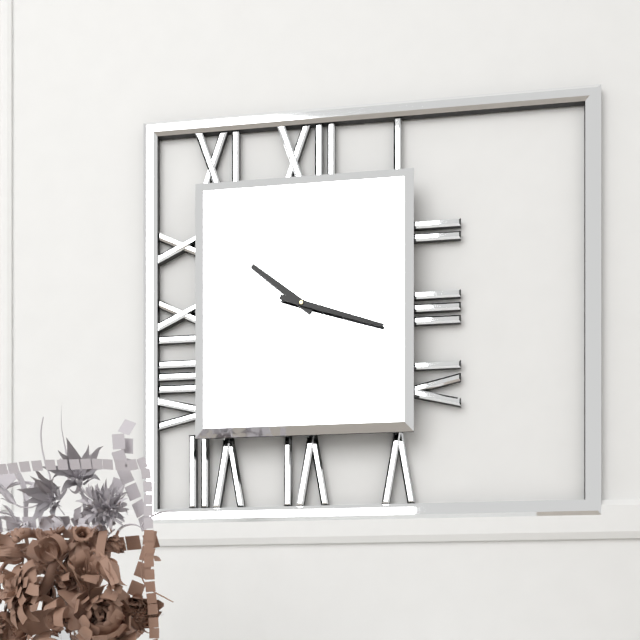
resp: 10h18
